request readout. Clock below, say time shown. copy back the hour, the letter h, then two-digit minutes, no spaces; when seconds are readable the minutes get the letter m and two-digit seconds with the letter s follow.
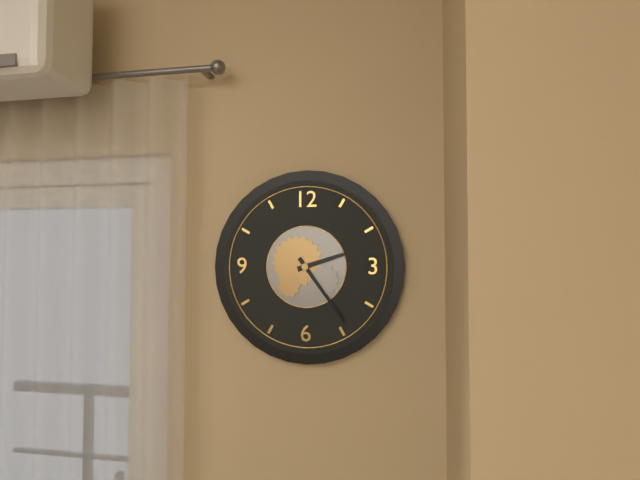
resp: 2h24
